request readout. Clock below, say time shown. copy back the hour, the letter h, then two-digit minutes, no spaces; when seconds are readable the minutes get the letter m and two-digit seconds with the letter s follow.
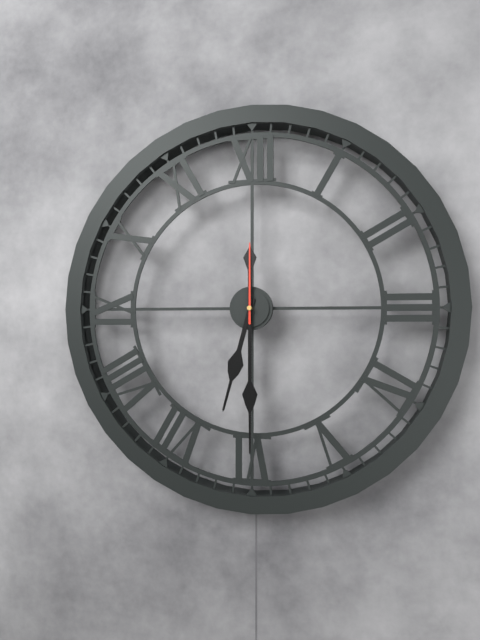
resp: 6h30m00s
